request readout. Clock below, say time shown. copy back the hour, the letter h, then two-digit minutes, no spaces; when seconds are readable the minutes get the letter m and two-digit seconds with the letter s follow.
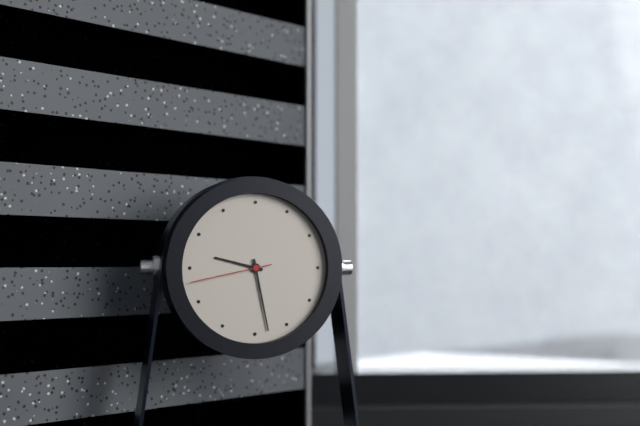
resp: 9h28m43s
